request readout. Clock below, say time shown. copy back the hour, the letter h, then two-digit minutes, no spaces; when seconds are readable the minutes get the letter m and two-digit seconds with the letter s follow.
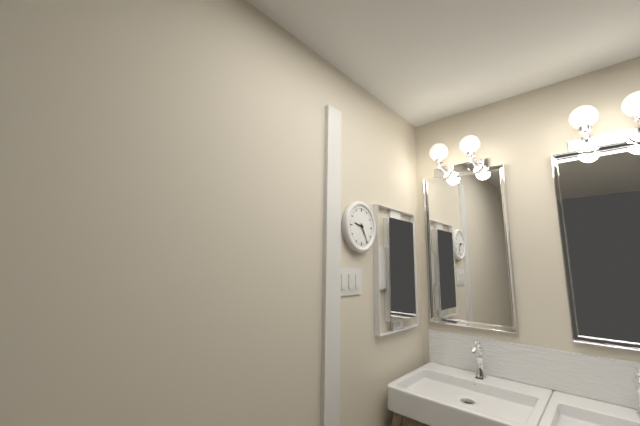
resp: 9h25
